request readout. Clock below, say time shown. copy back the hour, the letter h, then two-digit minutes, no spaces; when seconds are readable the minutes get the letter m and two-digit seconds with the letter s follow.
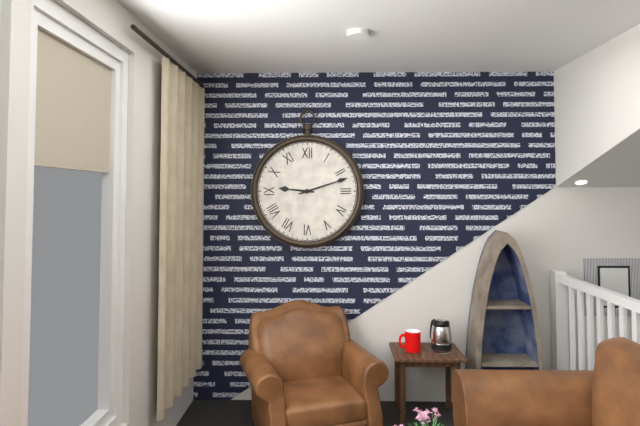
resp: 9h12
